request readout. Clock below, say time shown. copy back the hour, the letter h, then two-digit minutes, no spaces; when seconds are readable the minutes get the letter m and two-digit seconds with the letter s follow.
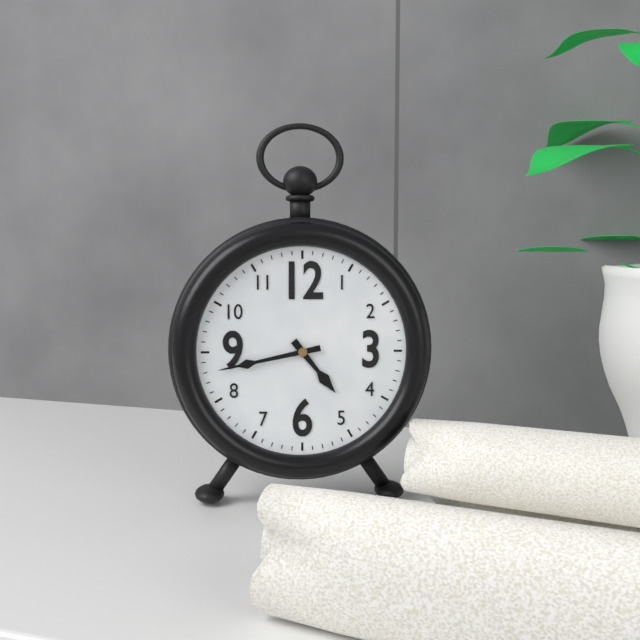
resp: 4h43
